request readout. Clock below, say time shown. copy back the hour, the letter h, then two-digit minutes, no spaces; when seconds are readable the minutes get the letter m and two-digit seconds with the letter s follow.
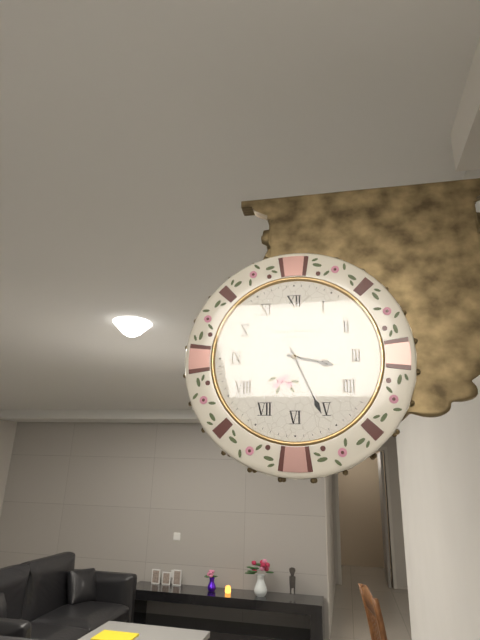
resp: 3h26
